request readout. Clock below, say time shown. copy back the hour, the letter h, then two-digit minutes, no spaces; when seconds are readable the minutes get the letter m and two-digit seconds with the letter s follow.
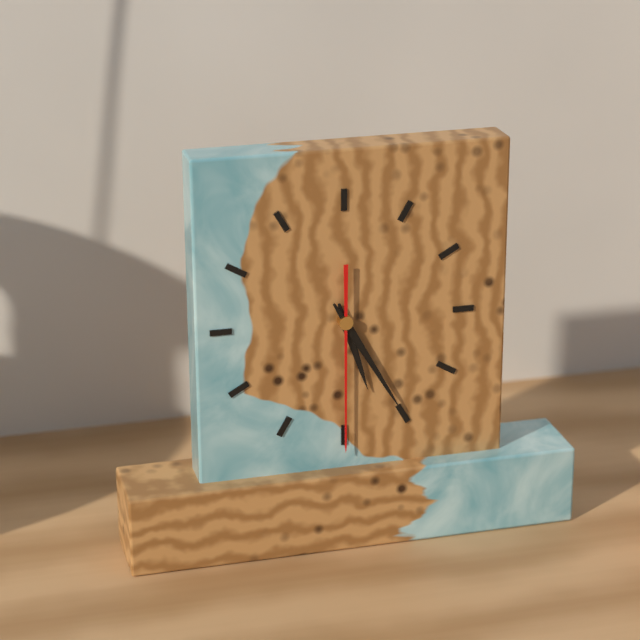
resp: 5h25m30s
